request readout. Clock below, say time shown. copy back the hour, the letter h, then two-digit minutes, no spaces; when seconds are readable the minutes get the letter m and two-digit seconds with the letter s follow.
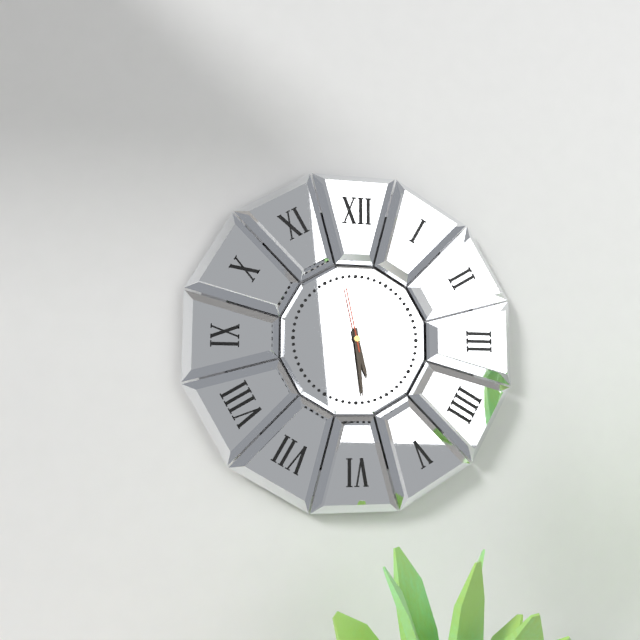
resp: 5h29m58s
